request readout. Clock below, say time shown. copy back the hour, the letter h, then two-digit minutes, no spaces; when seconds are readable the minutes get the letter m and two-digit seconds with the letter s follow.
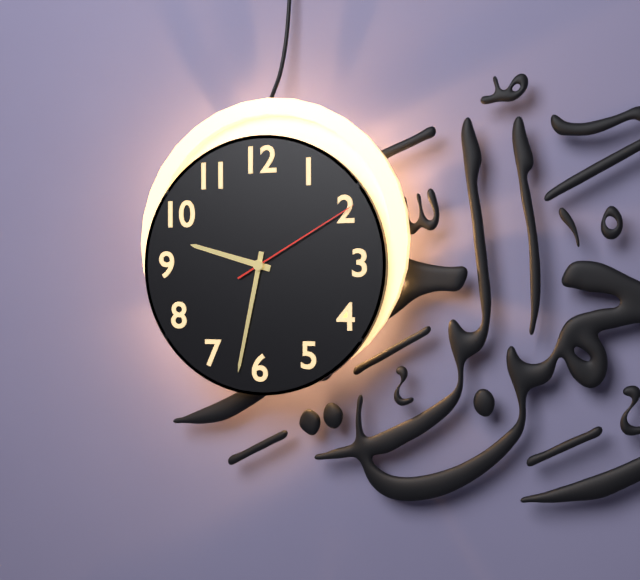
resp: 9h32m10s
